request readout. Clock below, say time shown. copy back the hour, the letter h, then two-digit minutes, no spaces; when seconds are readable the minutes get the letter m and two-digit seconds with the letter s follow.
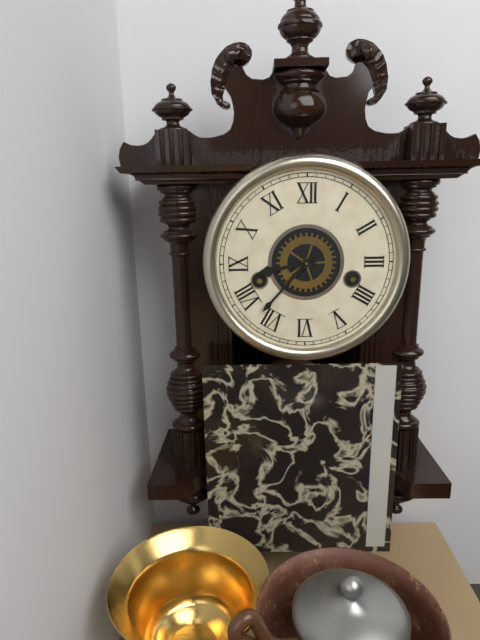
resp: 8h37
